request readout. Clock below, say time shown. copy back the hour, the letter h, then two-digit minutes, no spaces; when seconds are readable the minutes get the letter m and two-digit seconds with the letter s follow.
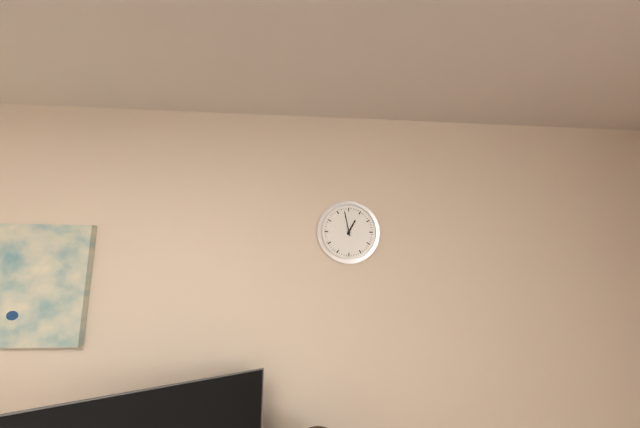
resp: 12h58
